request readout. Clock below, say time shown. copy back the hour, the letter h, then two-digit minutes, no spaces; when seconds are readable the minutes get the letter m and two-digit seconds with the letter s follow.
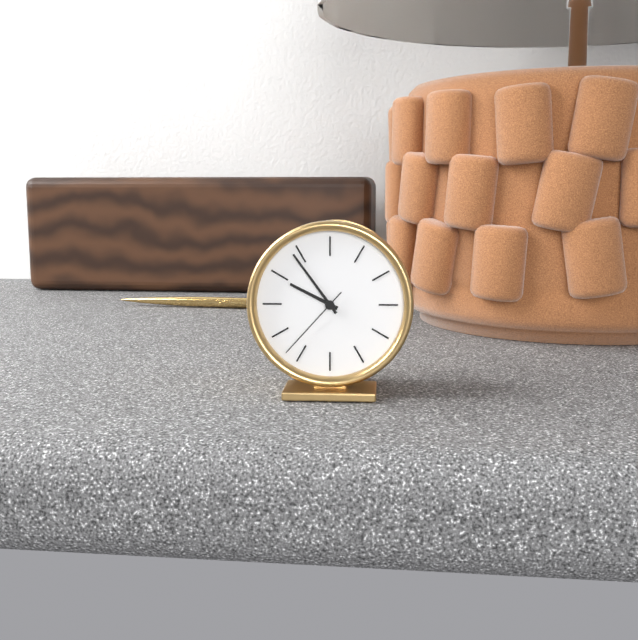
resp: 9h54m37s
